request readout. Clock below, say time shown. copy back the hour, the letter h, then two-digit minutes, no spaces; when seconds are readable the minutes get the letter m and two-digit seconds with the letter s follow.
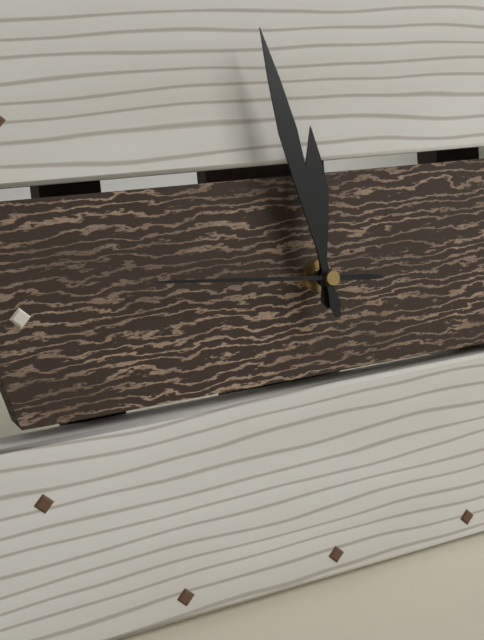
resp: 11h58m46s
